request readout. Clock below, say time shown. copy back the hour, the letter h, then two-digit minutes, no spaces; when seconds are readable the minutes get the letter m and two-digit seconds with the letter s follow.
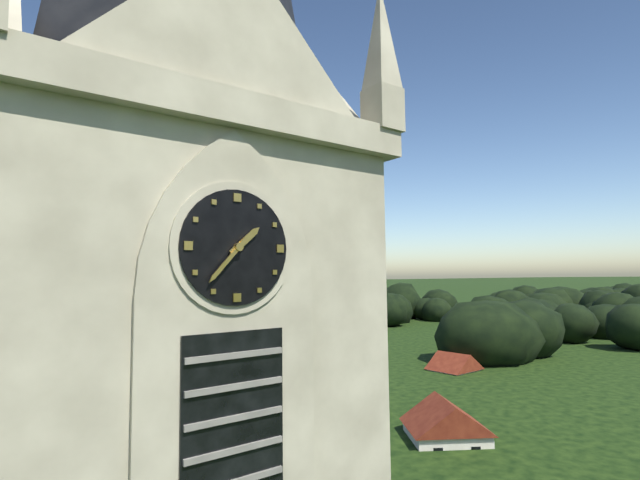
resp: 1h37
